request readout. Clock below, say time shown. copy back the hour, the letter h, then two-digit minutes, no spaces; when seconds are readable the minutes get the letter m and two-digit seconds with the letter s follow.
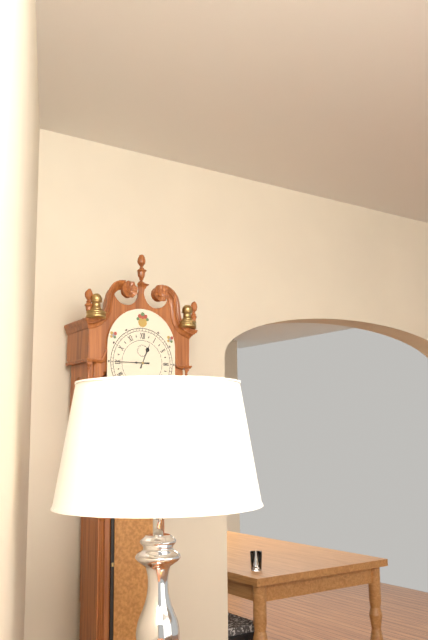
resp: 12h45
